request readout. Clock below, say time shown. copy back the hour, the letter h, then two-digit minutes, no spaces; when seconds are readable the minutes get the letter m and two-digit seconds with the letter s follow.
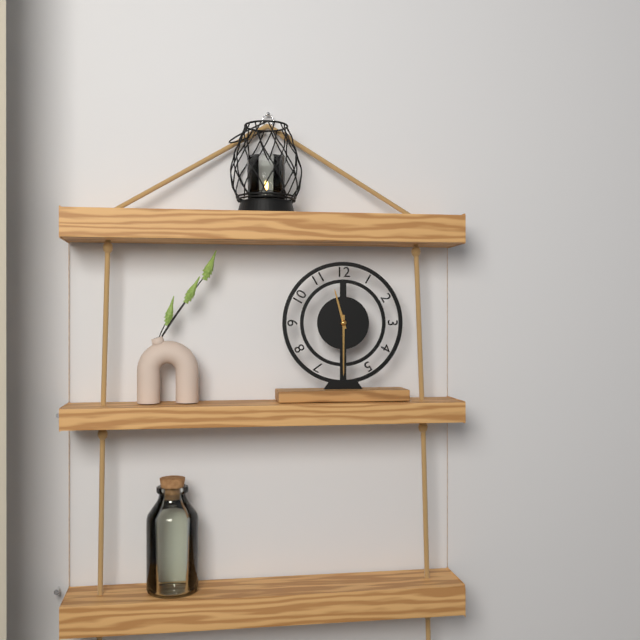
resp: 11h30
